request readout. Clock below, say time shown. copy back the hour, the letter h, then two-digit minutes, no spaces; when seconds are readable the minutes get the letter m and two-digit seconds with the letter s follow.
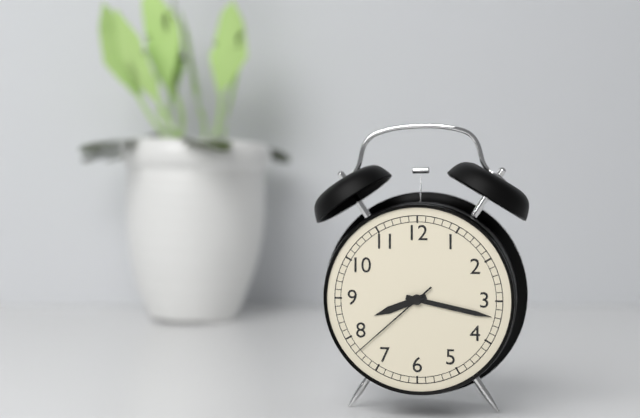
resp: 8h17m38s
